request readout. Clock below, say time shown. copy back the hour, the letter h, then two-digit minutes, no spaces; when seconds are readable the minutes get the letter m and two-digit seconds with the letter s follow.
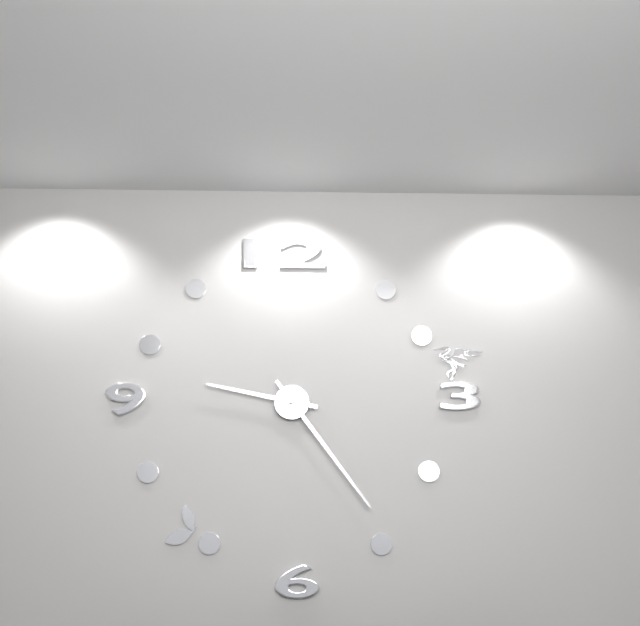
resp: 9h24
